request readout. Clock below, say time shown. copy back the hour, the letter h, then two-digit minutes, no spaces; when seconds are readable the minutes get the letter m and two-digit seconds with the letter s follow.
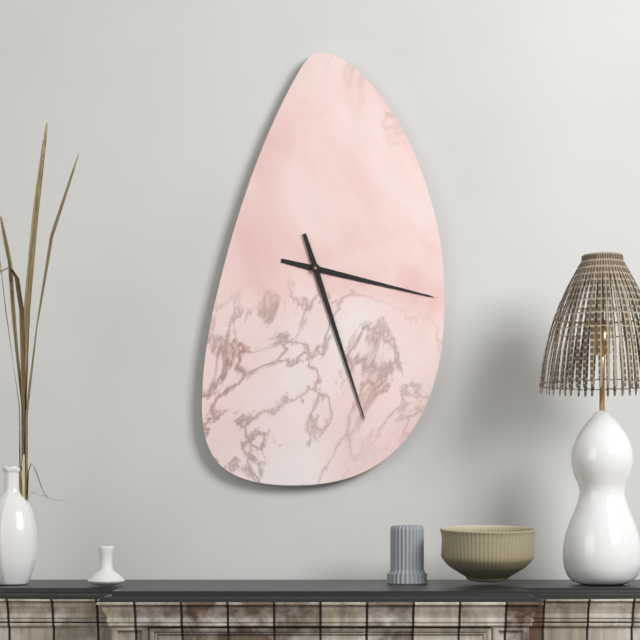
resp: 3h27
